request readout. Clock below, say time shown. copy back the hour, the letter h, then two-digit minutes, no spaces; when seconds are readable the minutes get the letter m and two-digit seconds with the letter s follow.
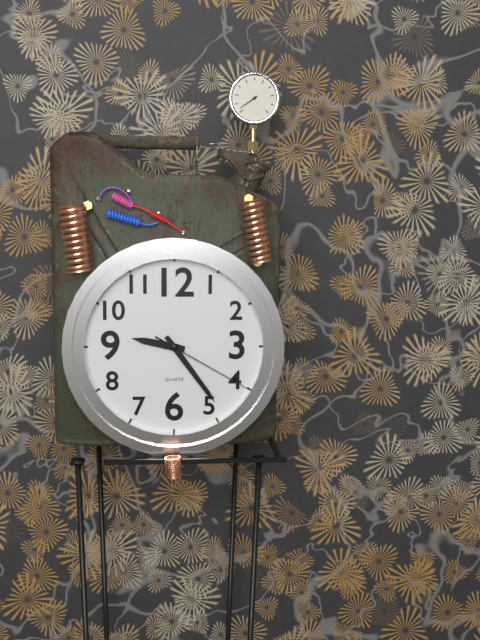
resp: 9h24m20s
